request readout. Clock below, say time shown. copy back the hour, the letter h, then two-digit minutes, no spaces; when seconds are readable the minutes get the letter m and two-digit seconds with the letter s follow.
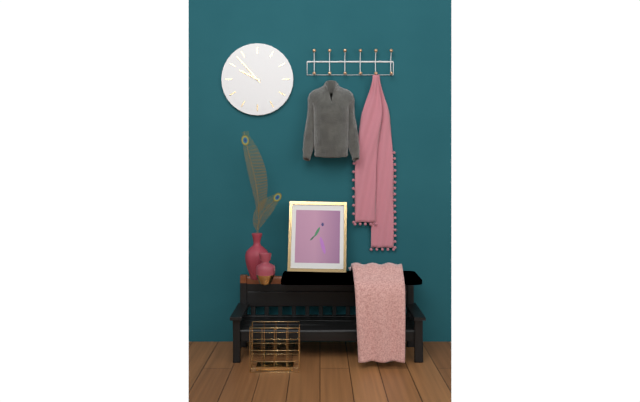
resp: 9h53
